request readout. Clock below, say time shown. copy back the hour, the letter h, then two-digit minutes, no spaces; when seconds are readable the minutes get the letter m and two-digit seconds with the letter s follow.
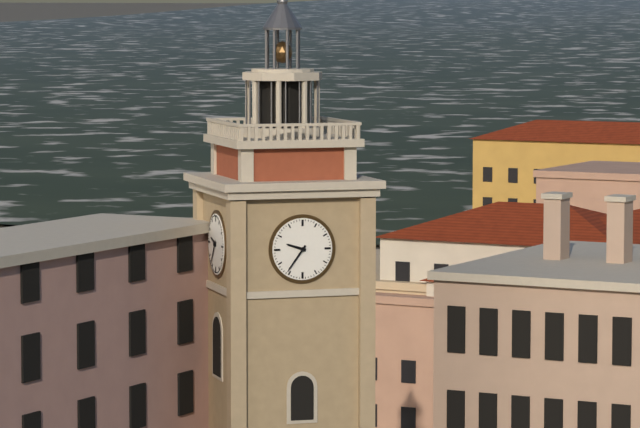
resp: 9h36
